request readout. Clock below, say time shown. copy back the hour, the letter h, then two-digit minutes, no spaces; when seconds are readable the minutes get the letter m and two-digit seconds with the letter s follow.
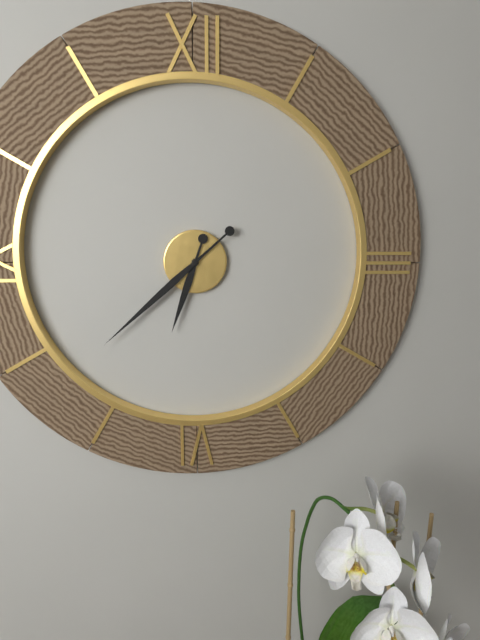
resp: 6h38
